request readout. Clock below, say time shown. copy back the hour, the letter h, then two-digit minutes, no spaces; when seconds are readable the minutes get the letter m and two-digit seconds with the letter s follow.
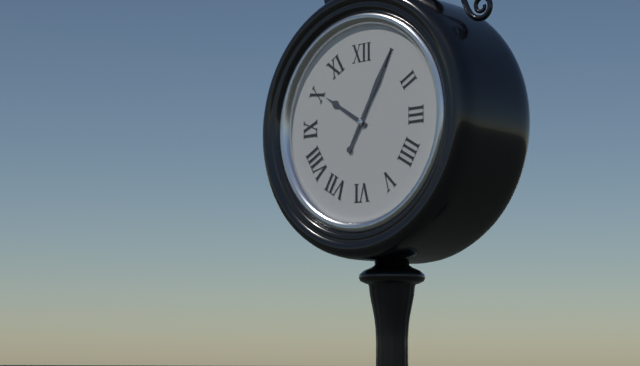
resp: 10h05
